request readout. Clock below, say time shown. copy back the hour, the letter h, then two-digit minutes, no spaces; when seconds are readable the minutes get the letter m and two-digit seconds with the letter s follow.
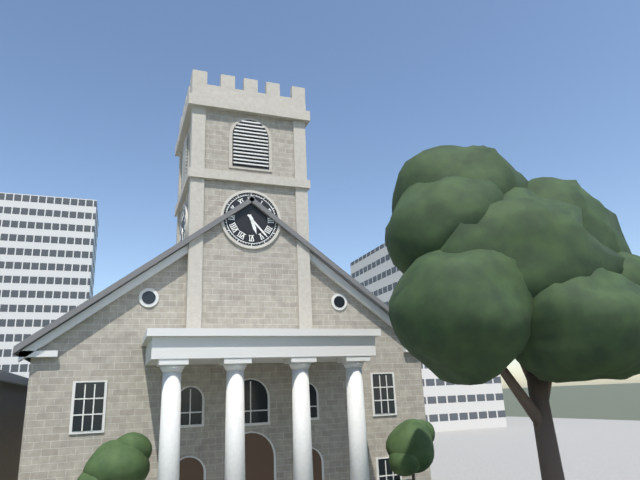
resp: 5h23
